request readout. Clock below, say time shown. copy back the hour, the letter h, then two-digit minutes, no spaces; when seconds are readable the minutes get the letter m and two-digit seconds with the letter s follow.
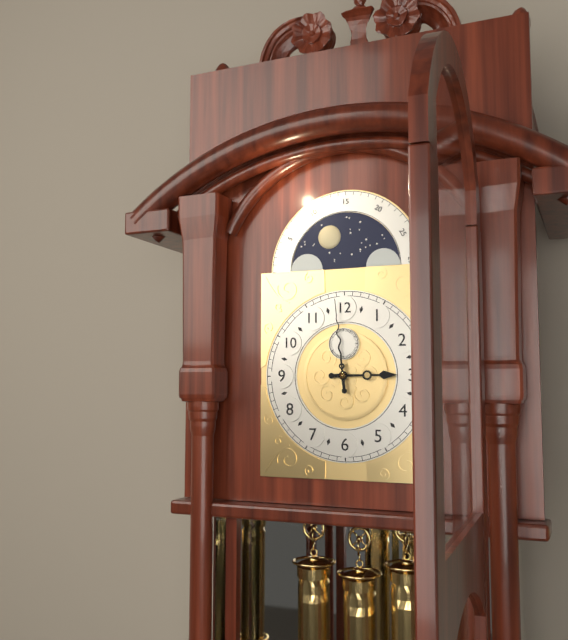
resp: 2h59
